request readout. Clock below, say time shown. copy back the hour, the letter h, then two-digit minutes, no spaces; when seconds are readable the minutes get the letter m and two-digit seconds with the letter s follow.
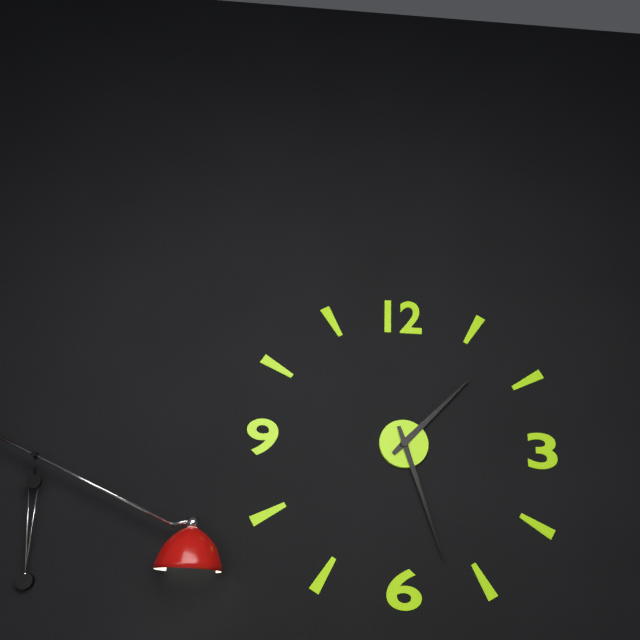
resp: 1h27
